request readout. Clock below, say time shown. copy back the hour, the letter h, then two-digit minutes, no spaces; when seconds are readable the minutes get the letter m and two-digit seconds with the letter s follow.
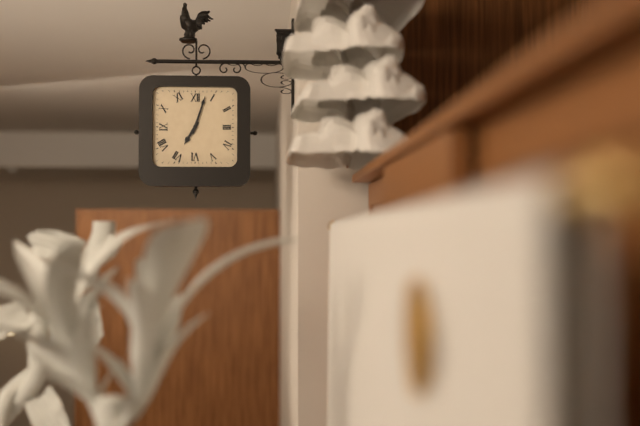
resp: 7h03
